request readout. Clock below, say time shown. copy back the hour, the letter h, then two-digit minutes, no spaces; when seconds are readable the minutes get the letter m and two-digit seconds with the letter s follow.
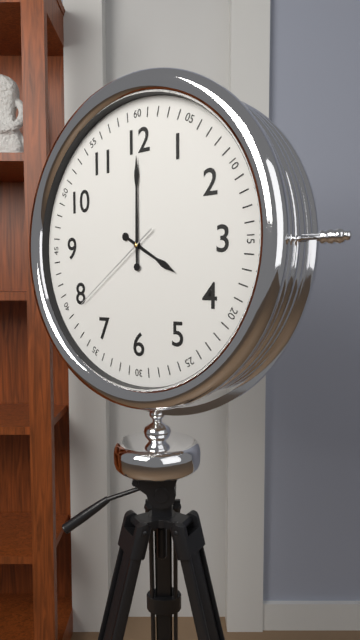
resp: 4h00m39s
